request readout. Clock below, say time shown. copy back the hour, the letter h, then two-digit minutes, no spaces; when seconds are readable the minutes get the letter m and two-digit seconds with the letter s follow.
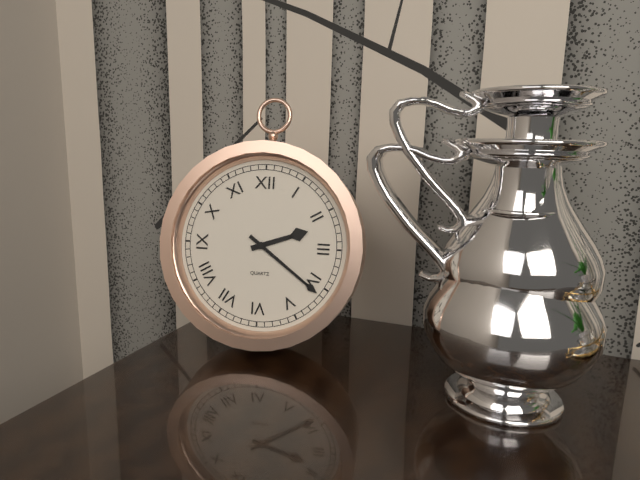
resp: 2h21
